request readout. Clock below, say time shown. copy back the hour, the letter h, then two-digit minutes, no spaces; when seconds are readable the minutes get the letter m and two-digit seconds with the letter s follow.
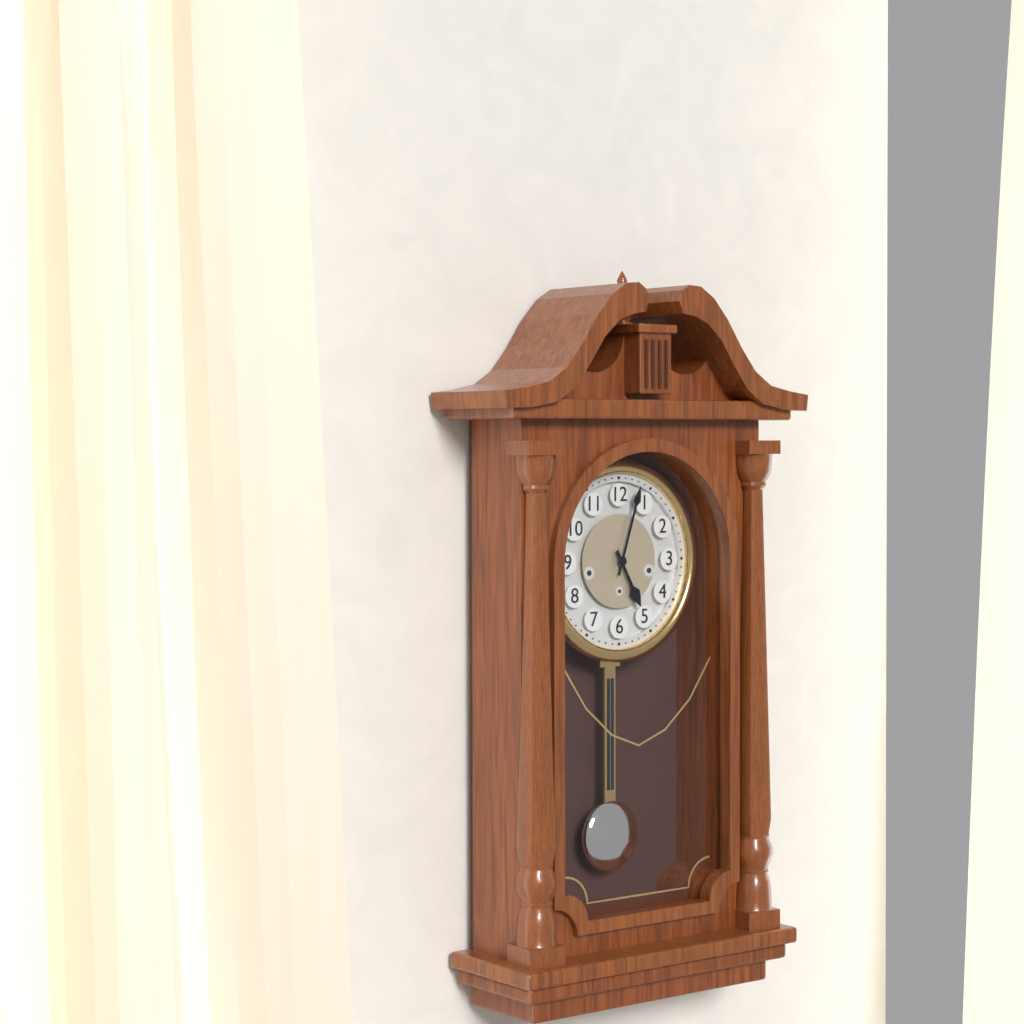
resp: 5h03
